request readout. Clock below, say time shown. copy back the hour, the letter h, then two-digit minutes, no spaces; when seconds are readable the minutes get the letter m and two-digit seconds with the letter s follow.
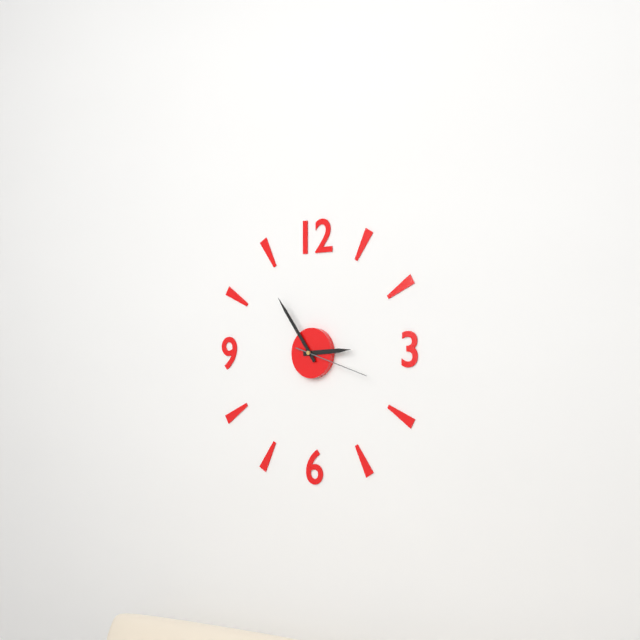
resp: 2h54m18s
